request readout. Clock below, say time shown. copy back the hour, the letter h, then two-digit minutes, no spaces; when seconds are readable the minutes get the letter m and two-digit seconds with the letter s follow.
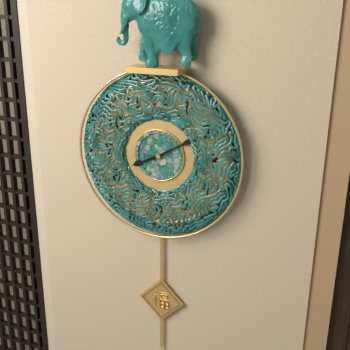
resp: 8h10
